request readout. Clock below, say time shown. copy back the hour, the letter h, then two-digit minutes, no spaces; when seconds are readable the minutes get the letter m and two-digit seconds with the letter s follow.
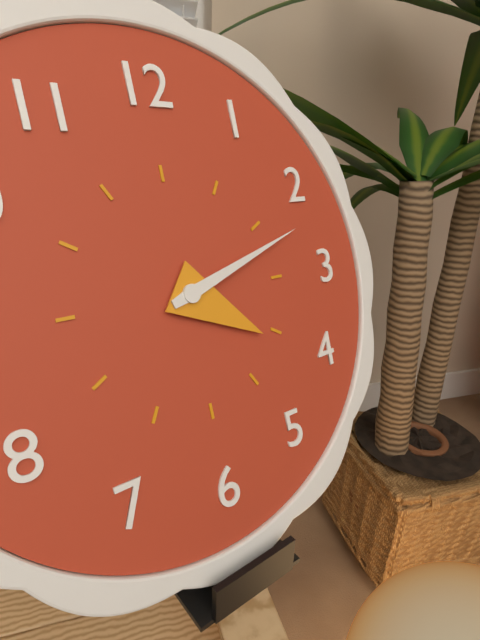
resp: 4h12
